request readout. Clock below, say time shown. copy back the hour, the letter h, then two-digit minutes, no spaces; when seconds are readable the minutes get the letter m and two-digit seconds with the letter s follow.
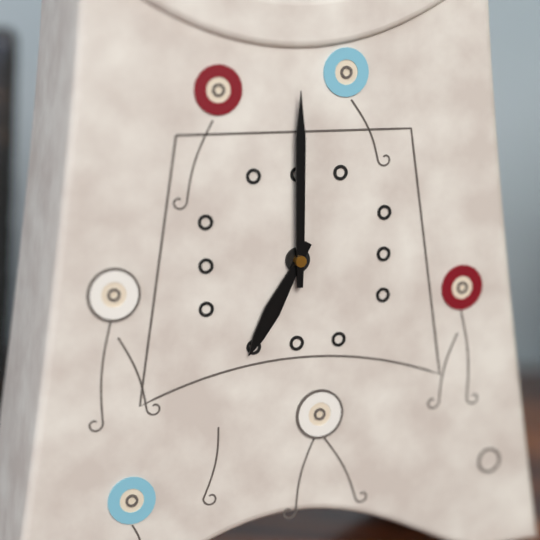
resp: 7h00
